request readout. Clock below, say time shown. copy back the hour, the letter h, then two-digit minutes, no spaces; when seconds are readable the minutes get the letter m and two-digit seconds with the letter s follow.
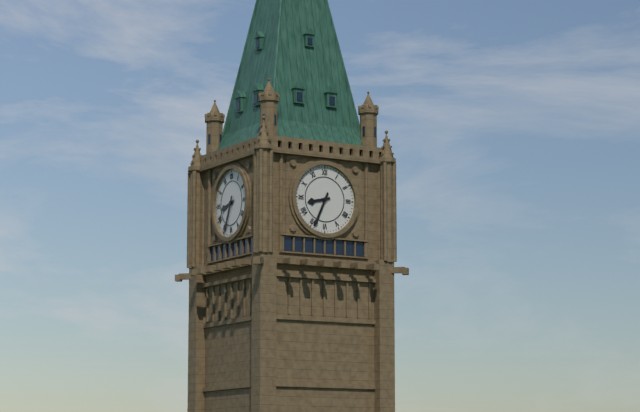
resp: 8h34
